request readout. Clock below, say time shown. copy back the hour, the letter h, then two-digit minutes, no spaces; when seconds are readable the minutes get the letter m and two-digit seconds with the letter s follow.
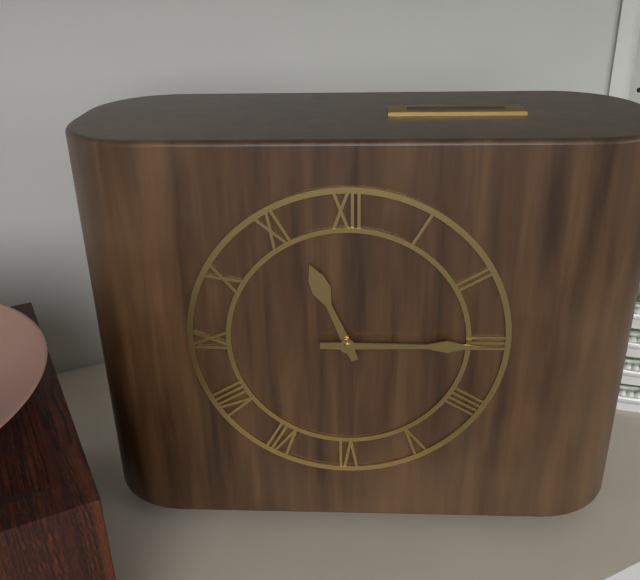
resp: 11h15
